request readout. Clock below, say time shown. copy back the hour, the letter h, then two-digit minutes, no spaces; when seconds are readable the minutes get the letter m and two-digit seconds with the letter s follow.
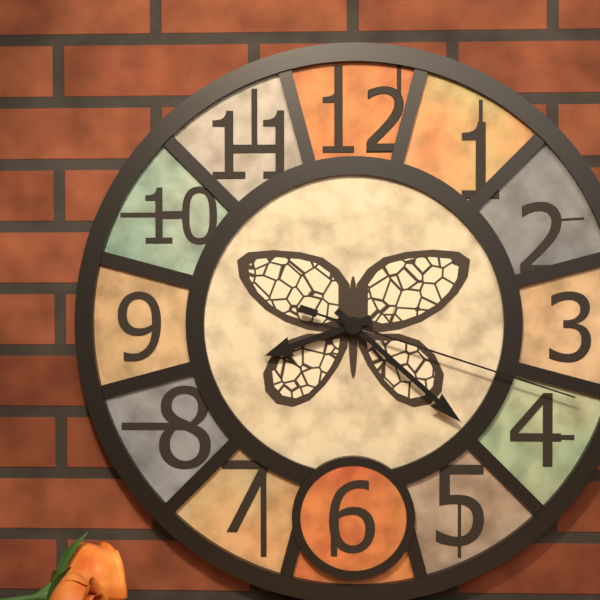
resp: 8h22m18s
